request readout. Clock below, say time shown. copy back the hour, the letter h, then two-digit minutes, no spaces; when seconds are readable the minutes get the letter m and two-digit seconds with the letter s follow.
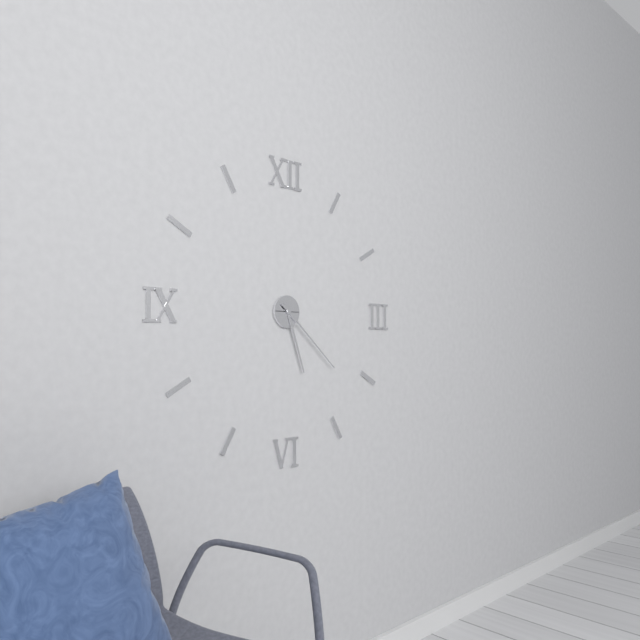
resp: 5h22
